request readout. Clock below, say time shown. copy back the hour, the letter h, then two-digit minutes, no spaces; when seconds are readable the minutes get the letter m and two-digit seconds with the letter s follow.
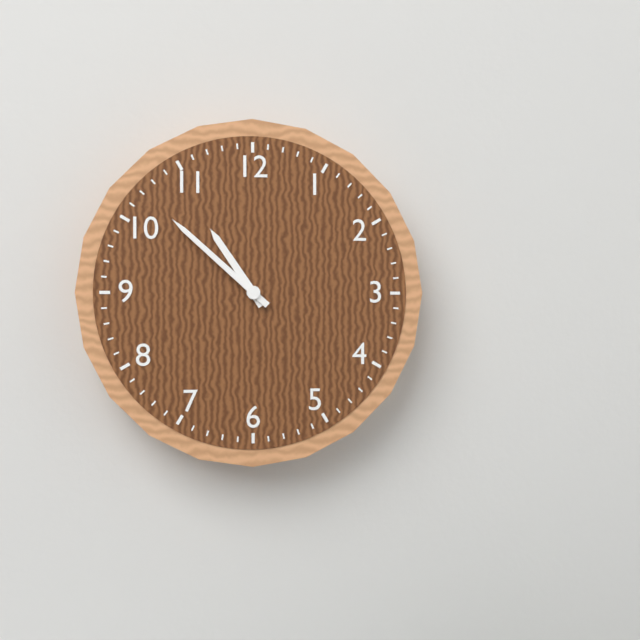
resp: 10h52
